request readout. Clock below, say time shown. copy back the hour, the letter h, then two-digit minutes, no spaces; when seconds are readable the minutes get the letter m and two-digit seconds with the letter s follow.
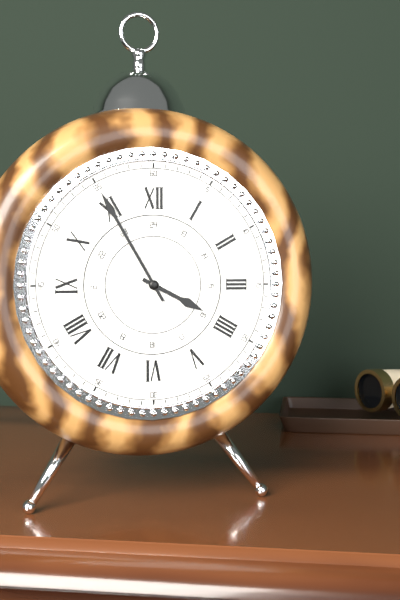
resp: 3h55
